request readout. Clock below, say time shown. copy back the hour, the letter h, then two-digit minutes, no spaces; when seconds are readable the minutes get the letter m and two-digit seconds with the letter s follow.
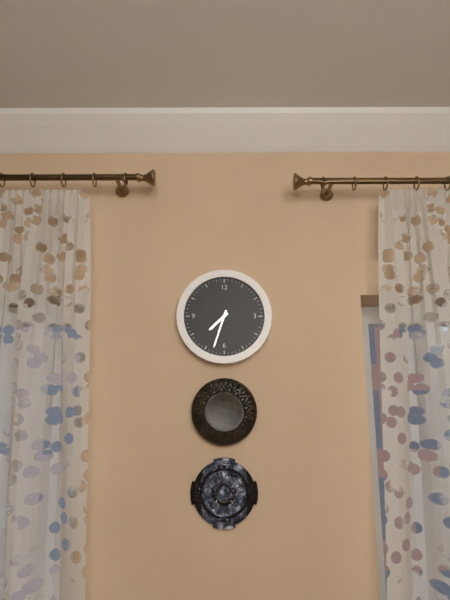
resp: 7h33
